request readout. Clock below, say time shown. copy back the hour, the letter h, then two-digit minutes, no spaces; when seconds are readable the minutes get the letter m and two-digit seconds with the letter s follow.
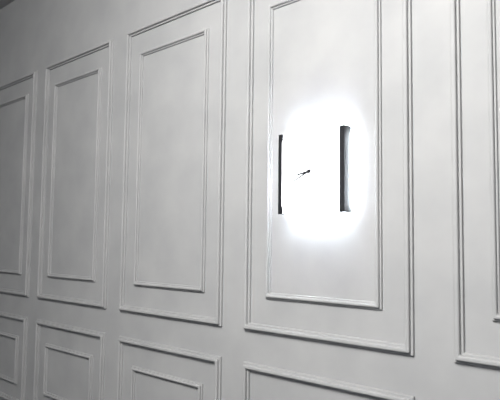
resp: 8h41
